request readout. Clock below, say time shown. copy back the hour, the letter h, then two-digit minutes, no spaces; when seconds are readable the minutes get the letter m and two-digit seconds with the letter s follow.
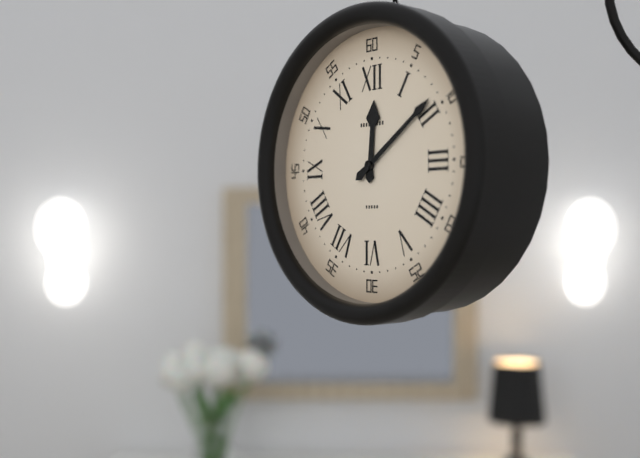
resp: 12h09
